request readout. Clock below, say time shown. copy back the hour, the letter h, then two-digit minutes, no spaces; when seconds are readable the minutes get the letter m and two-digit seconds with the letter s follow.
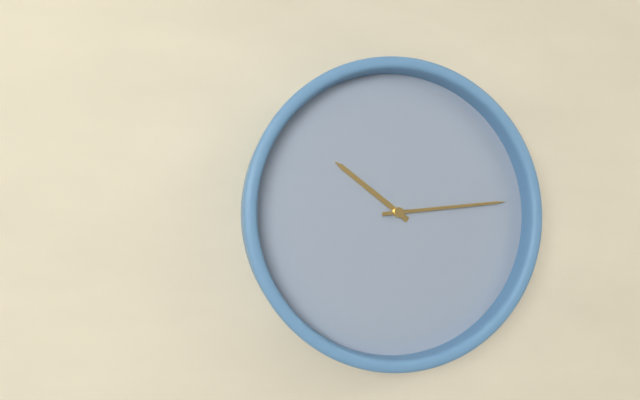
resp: 10h14
